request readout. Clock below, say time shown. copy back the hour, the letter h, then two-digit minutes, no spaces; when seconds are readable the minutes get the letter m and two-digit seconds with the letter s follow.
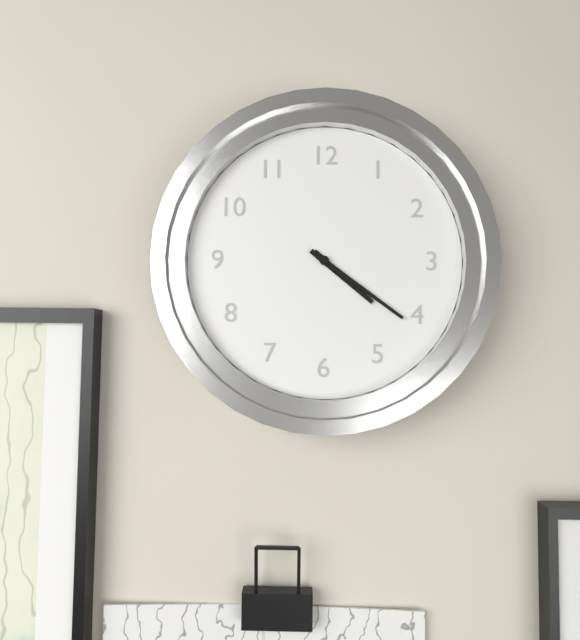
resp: 4h21
